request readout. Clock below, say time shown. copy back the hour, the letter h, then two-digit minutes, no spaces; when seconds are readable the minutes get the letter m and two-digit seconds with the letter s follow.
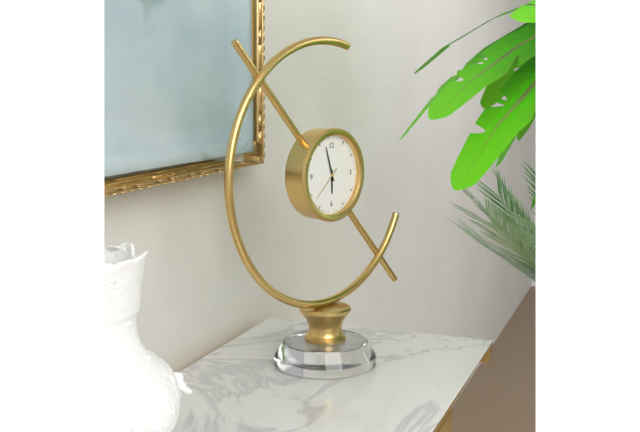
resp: 5h57
